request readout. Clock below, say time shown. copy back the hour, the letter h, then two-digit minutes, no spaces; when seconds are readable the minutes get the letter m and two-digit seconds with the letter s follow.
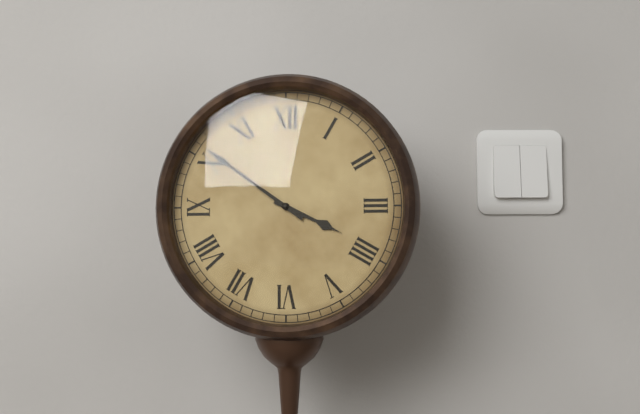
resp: 3h51
